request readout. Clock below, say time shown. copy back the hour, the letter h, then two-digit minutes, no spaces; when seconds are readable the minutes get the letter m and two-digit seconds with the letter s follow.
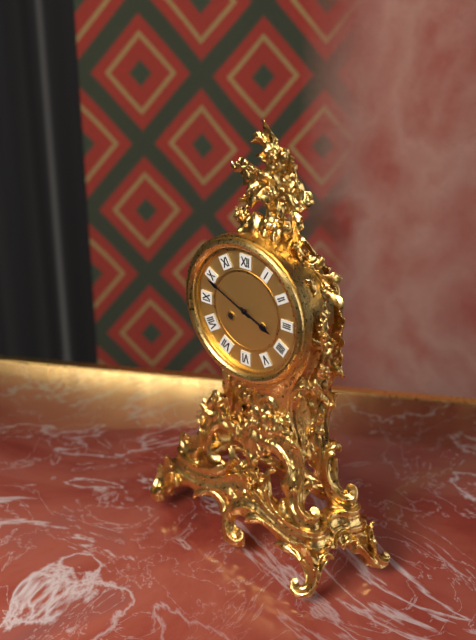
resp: 3h49
